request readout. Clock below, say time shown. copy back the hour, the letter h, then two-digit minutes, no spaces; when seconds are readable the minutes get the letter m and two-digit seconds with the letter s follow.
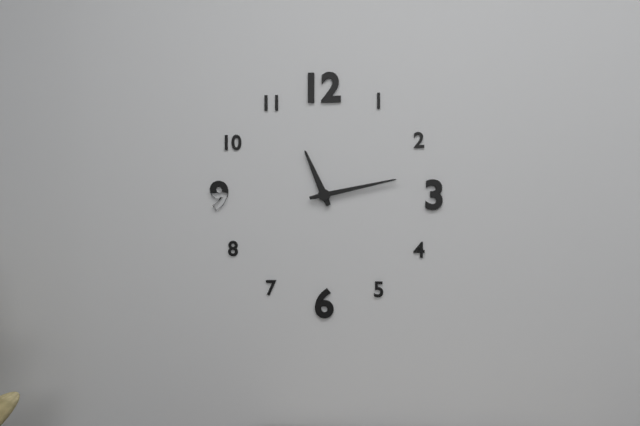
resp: 11h13
